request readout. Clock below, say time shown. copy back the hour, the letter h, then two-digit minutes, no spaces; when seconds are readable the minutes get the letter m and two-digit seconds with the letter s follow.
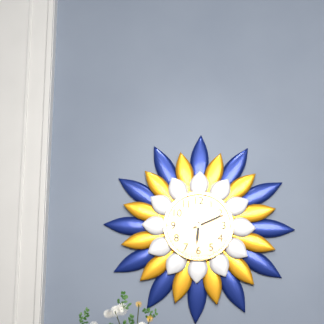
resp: 6h11
